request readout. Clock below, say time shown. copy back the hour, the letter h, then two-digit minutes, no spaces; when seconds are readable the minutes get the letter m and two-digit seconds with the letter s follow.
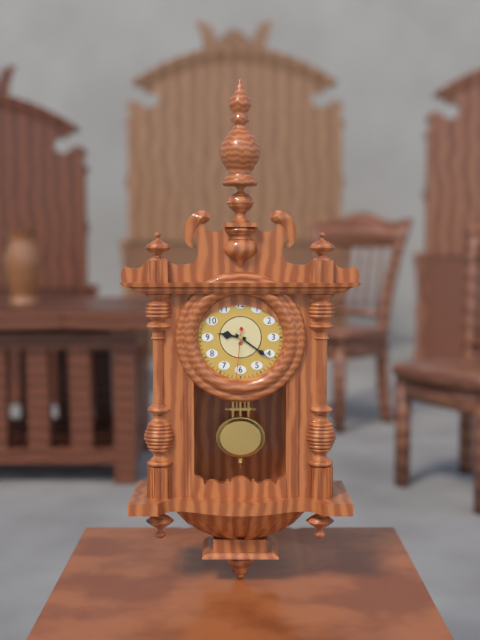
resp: 9h21m31s
